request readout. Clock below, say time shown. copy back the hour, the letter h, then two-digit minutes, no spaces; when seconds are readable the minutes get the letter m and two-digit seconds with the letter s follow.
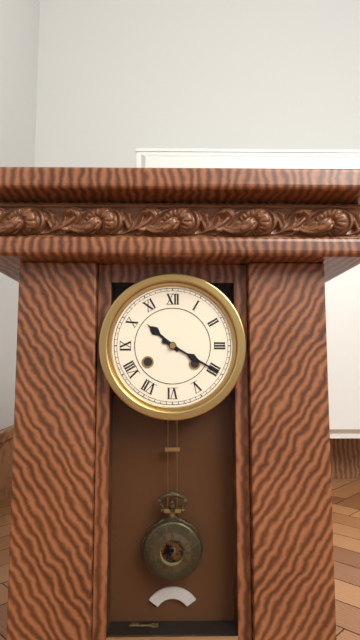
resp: 10h20
